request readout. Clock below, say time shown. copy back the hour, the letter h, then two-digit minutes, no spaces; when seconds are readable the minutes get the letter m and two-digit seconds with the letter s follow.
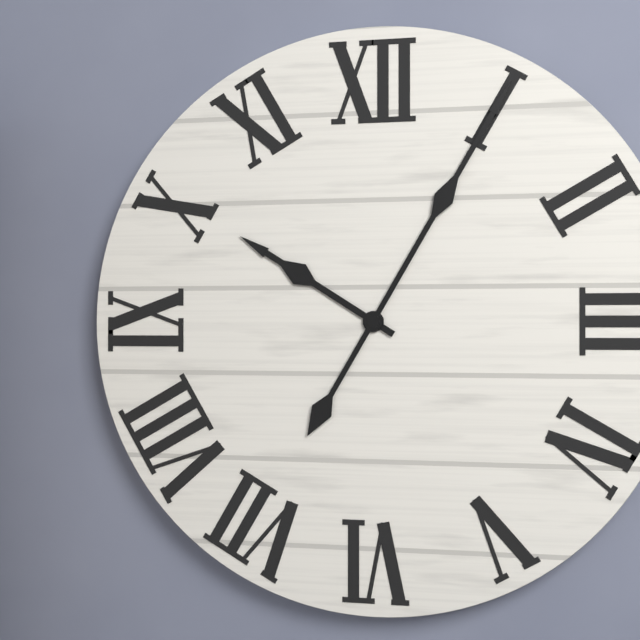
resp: 10h05
